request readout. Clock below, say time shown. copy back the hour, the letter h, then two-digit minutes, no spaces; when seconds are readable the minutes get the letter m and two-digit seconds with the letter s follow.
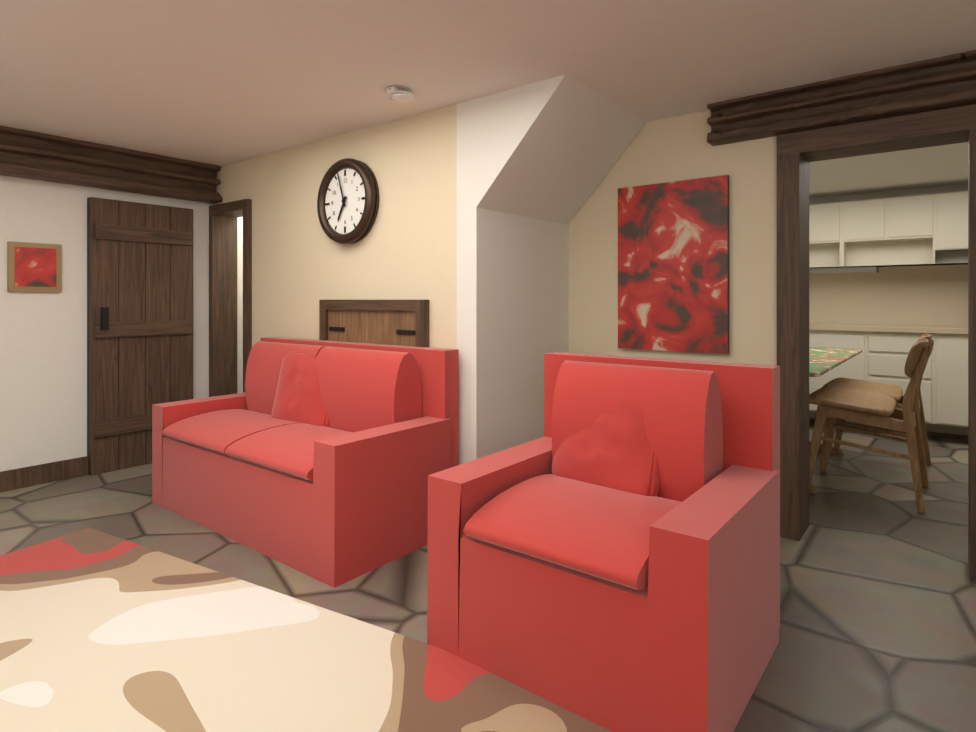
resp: 6h57
